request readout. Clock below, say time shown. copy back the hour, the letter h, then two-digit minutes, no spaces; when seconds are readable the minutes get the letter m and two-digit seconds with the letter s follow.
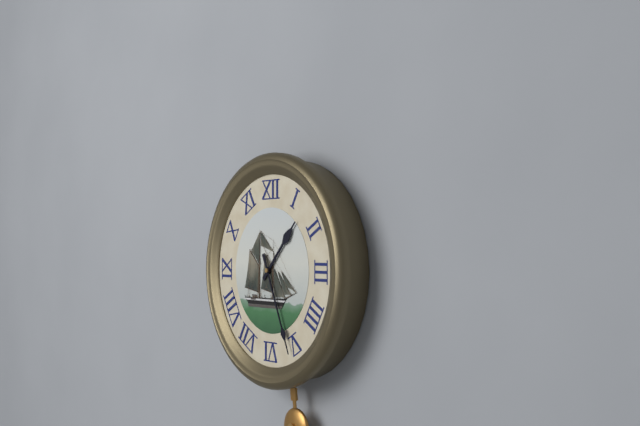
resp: 1h26
